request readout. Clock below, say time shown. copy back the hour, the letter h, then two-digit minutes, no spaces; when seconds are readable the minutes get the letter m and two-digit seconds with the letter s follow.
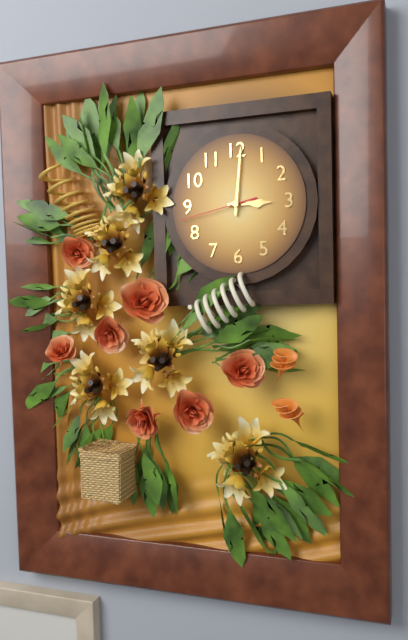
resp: 3h01m43s
